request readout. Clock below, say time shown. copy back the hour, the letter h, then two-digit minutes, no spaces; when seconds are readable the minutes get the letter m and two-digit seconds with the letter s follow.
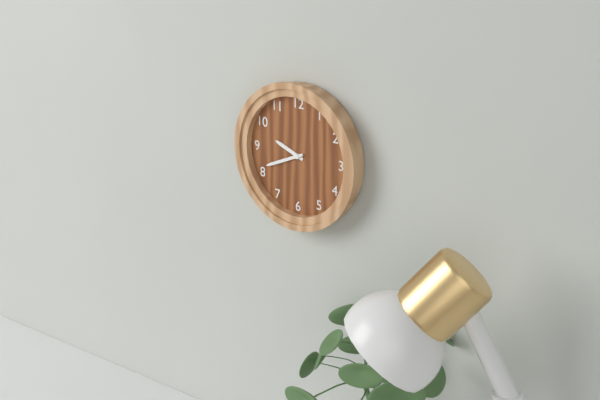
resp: 9h41
